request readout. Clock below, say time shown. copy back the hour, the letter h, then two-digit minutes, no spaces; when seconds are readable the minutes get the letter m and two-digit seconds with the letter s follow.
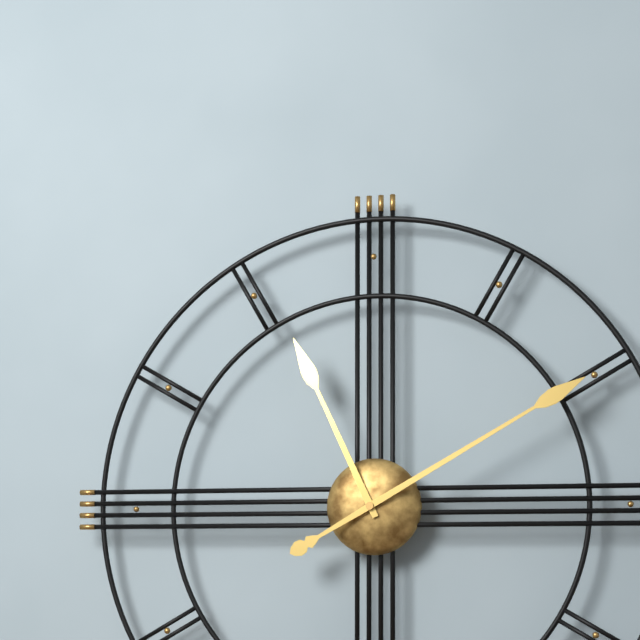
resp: 11h10
